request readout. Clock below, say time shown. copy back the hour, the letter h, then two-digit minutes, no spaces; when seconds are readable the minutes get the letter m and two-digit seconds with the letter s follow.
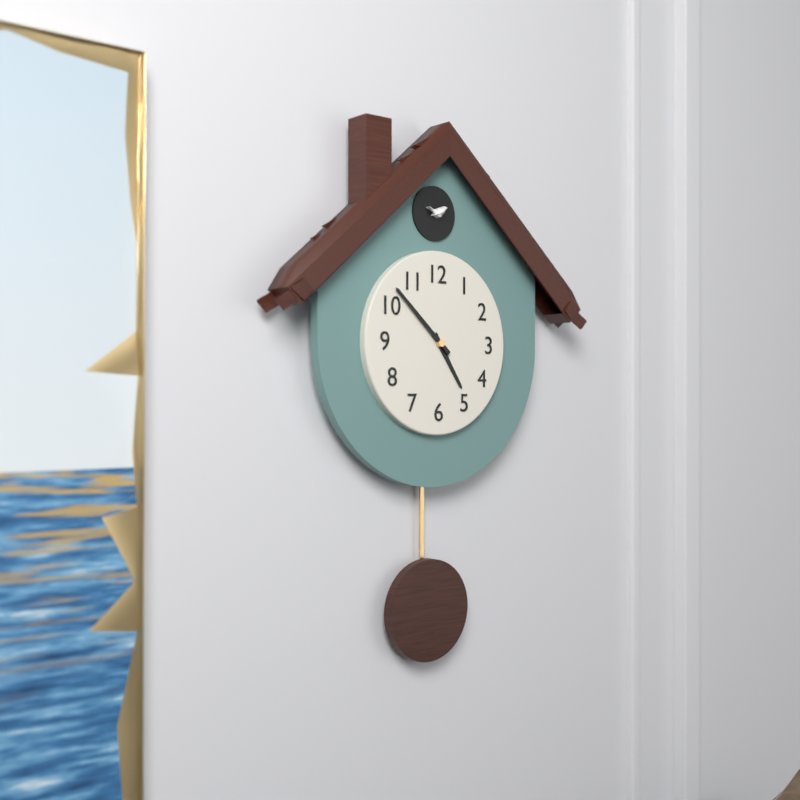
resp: 4h52
